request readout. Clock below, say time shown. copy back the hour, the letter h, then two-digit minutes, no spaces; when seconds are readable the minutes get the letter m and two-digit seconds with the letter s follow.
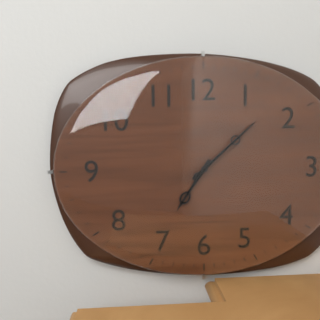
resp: 7h08
